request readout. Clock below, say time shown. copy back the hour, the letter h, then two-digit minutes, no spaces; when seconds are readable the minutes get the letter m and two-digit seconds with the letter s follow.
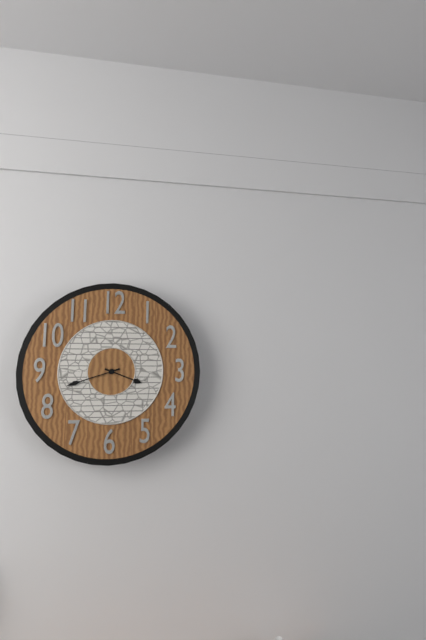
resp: 3h42
